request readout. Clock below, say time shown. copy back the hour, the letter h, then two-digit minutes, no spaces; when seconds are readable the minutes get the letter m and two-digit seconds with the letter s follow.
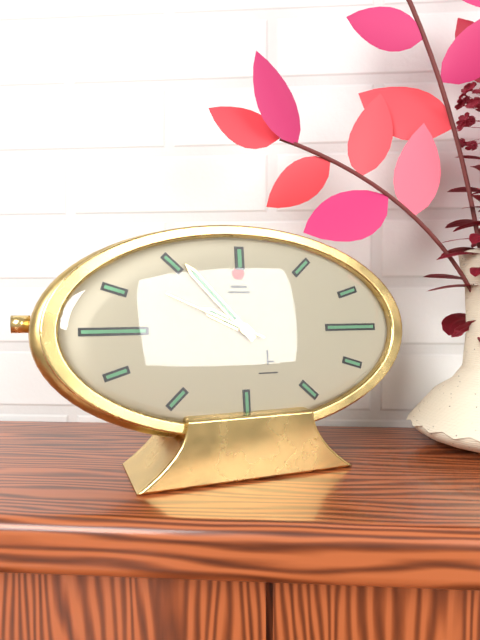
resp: 9h53m49s
